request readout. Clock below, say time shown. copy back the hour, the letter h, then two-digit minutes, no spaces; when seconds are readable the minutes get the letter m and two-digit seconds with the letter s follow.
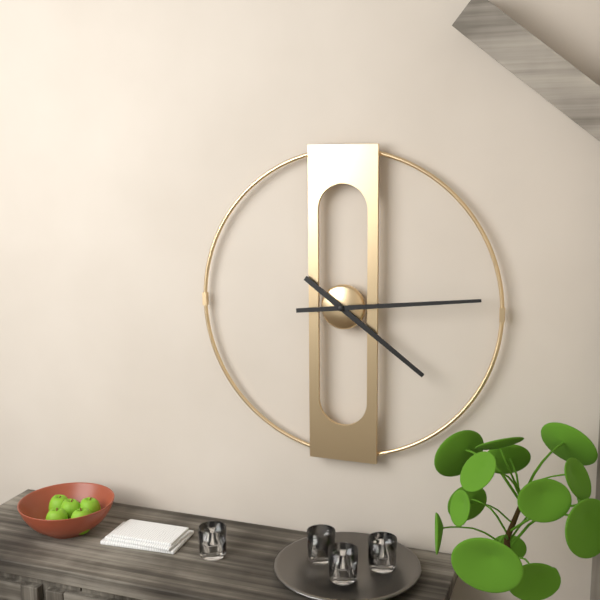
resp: 4h14
